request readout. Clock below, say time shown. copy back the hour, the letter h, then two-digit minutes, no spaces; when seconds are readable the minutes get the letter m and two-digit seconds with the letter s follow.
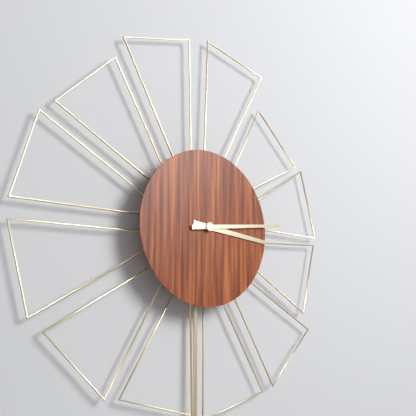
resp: 3h14
